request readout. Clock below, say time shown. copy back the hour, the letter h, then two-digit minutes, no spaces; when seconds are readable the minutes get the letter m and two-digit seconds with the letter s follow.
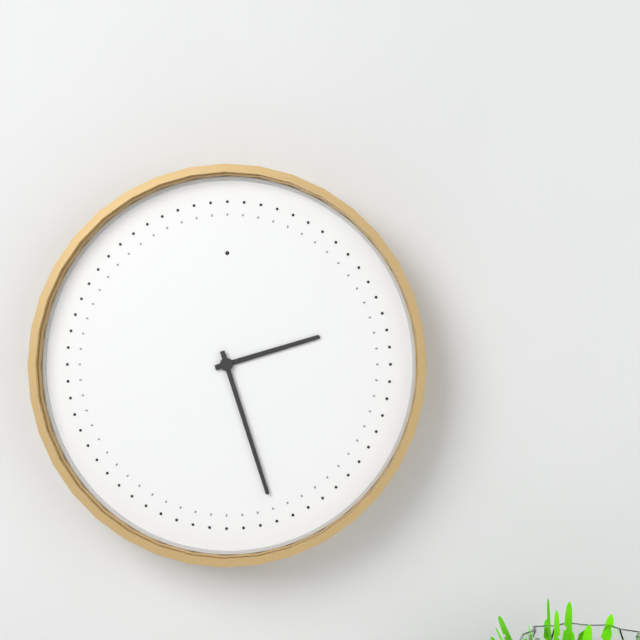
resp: 2h27
